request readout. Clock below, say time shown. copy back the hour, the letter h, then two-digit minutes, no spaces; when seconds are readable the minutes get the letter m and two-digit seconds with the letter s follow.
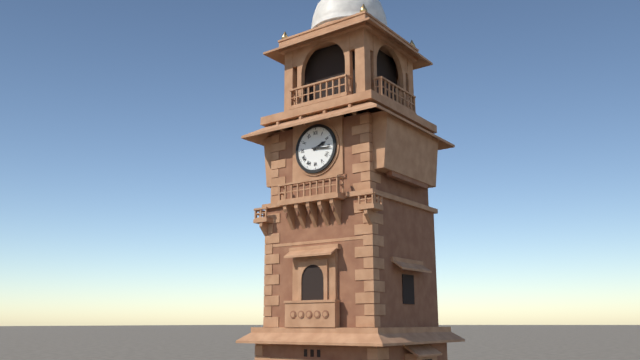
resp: 2h16
